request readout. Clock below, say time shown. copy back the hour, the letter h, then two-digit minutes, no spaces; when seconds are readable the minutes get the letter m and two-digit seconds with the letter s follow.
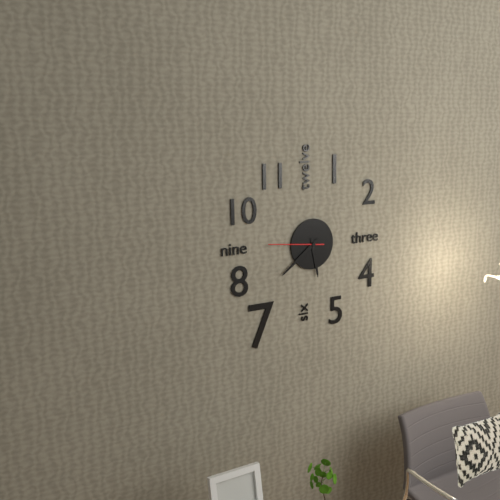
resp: 5h39m46s
